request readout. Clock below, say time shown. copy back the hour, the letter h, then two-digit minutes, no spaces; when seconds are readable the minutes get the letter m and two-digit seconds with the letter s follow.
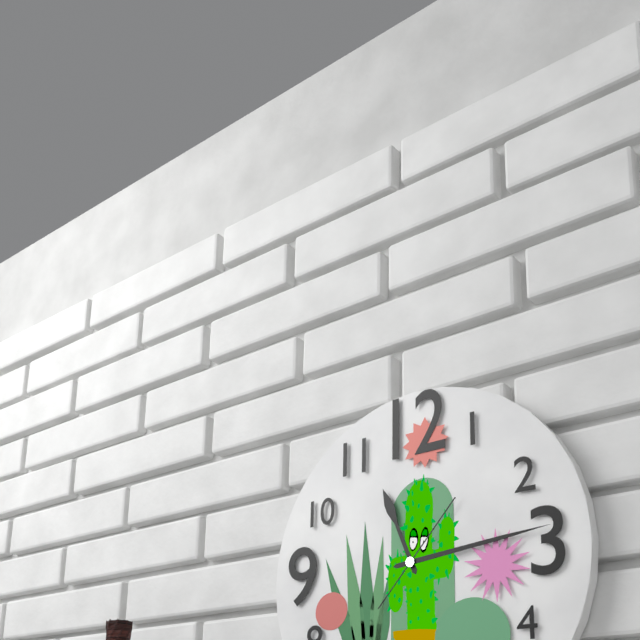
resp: 11h14m07s
